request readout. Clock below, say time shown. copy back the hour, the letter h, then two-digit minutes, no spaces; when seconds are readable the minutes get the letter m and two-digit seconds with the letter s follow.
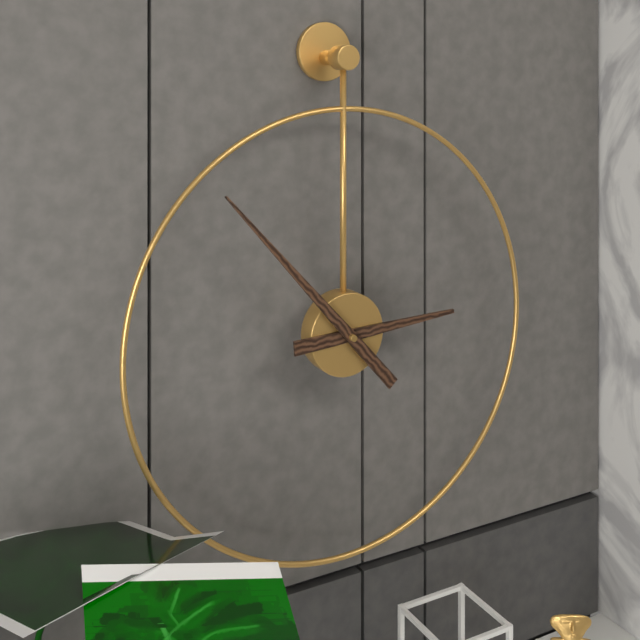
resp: 2h53
